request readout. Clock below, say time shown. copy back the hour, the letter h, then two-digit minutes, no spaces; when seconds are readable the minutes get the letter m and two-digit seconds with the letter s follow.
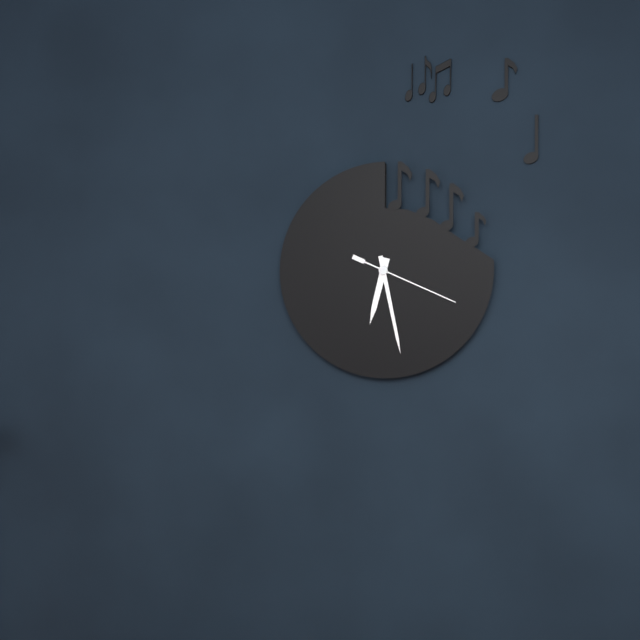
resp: 6h28m19s
